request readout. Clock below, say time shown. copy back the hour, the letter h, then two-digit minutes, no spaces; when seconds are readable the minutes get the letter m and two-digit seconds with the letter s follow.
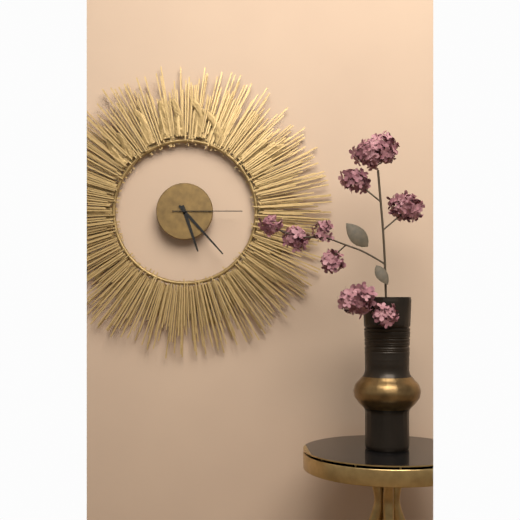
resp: 5h23m15s
